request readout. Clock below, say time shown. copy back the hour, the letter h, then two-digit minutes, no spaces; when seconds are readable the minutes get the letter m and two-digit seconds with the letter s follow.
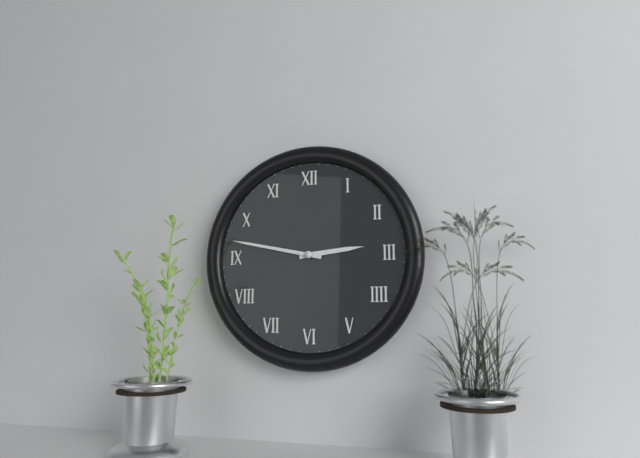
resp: 2h47
